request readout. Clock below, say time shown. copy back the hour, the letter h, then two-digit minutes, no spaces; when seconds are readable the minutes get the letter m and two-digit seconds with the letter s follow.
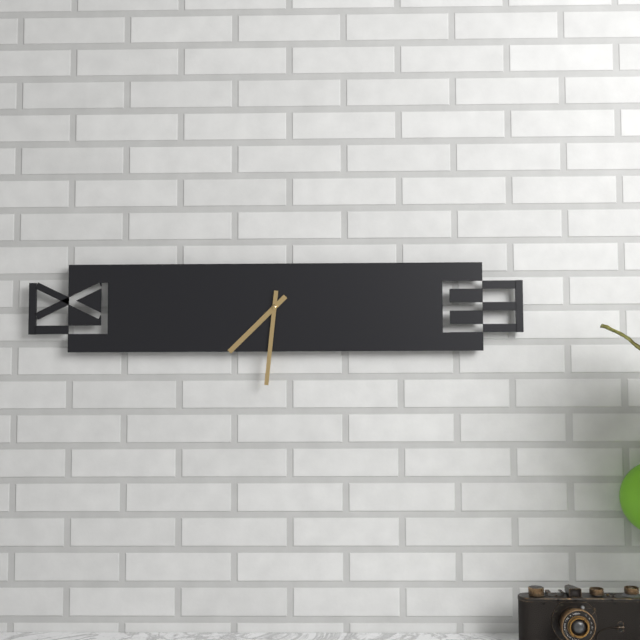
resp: 7h31
